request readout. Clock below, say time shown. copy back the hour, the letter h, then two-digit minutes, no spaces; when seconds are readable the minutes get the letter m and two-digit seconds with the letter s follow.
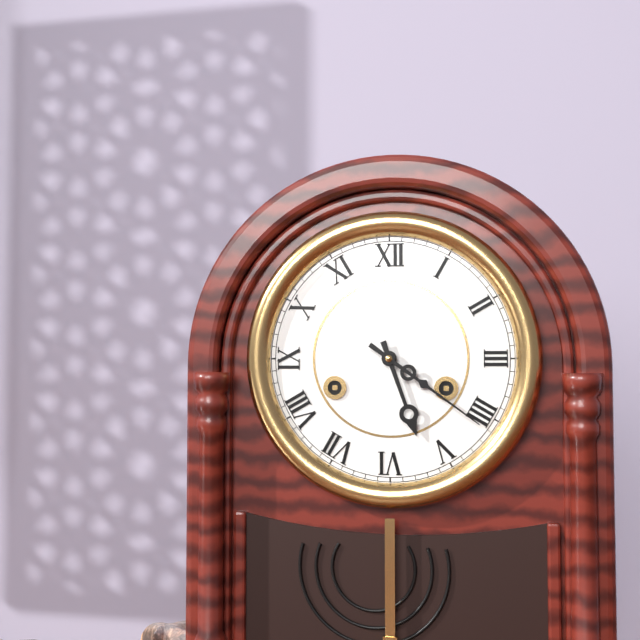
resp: 5h21
